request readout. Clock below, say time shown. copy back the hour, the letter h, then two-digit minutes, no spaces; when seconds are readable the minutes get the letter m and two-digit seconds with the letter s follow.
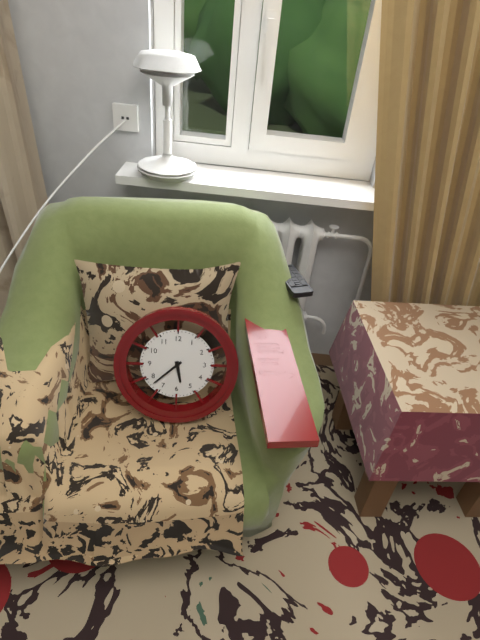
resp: 5h38
